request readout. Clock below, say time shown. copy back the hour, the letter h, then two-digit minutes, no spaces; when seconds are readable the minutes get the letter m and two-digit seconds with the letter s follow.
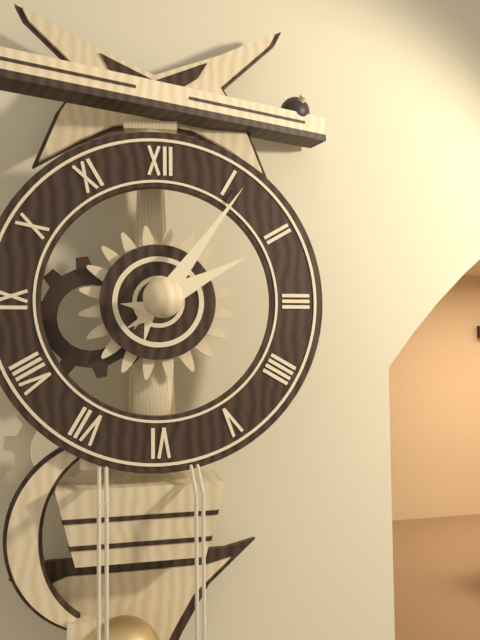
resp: 2h06
